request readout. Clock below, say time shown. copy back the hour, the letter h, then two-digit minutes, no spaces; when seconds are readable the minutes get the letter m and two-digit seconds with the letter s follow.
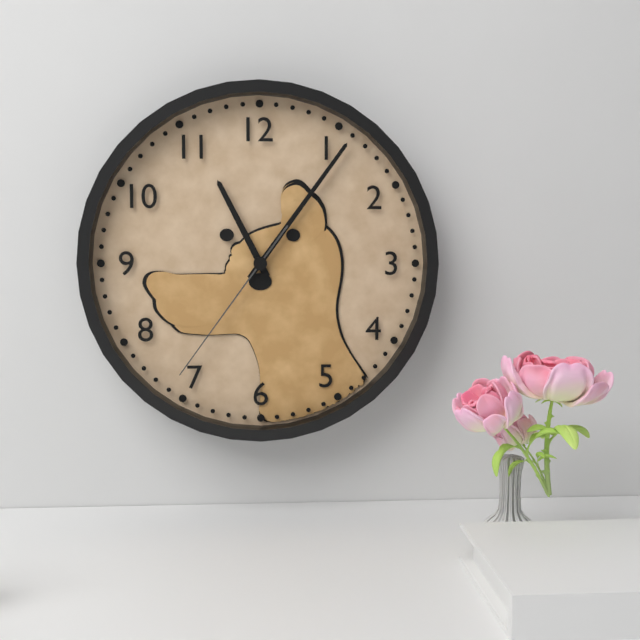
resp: 11h06m36s
